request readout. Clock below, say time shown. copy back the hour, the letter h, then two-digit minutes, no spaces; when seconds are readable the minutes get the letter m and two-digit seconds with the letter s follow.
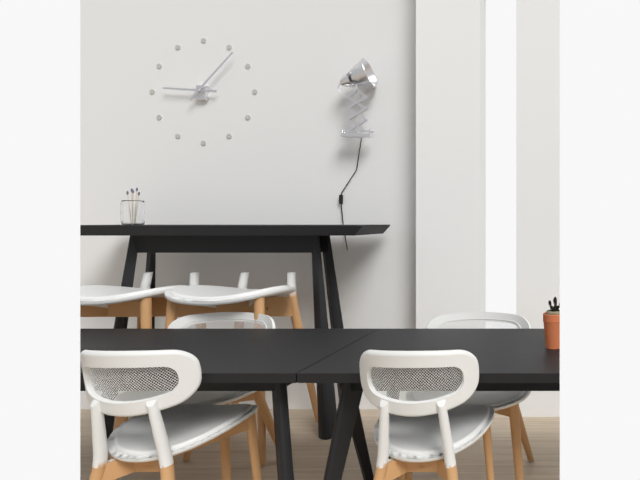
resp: 9h07
